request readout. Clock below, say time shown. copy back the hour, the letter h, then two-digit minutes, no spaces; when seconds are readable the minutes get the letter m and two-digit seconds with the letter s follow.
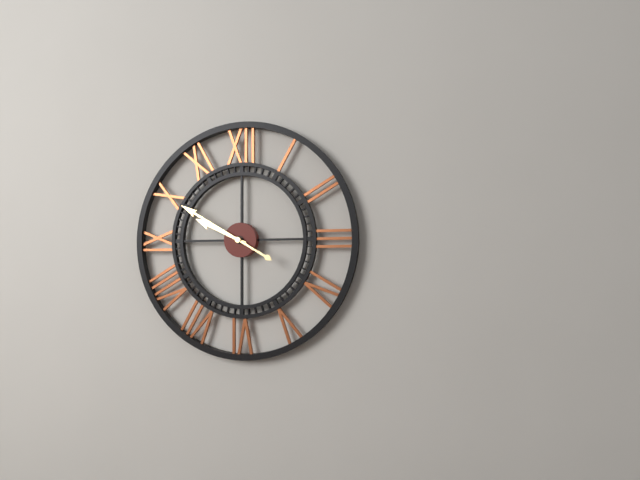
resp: 9h50
